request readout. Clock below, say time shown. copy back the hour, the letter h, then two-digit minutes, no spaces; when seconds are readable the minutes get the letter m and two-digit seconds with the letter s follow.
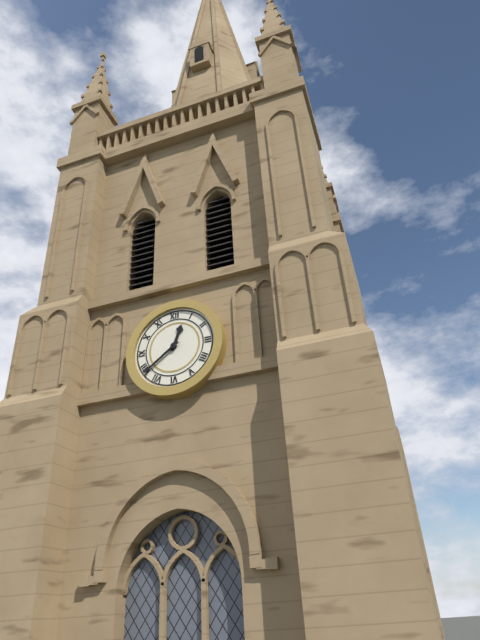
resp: 12h39
